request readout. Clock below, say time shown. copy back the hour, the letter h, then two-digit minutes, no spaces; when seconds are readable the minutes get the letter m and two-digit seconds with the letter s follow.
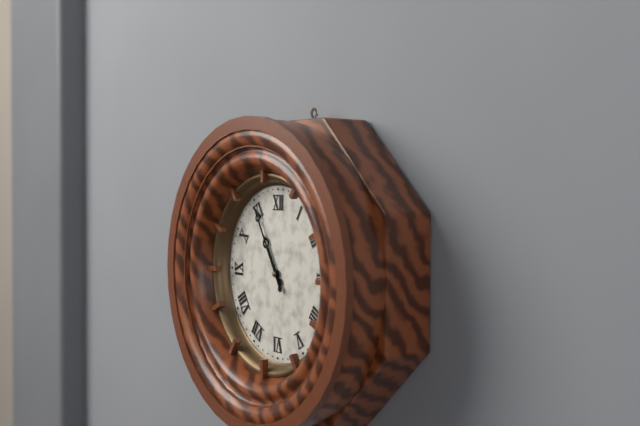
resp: 10h55
